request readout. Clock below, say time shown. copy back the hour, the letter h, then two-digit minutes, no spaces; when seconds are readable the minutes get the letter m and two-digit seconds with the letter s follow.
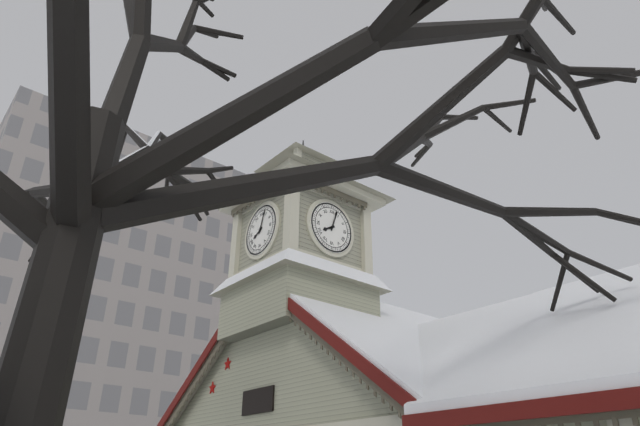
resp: 8h03
